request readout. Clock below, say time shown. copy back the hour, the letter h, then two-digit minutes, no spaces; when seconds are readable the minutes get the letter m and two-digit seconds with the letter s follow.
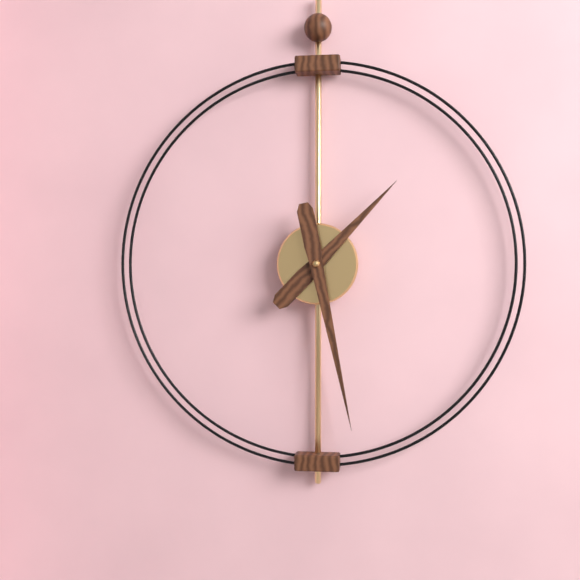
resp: 1h28
